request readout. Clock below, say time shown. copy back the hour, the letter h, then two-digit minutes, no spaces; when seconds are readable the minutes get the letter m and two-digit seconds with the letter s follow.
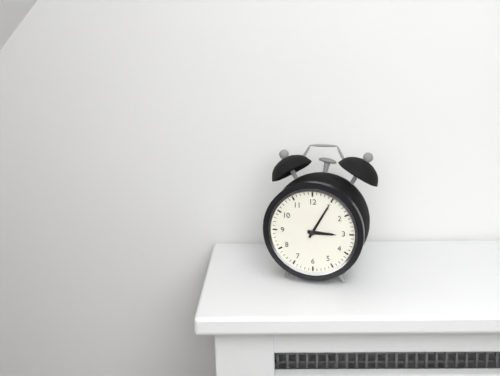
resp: 3h05
